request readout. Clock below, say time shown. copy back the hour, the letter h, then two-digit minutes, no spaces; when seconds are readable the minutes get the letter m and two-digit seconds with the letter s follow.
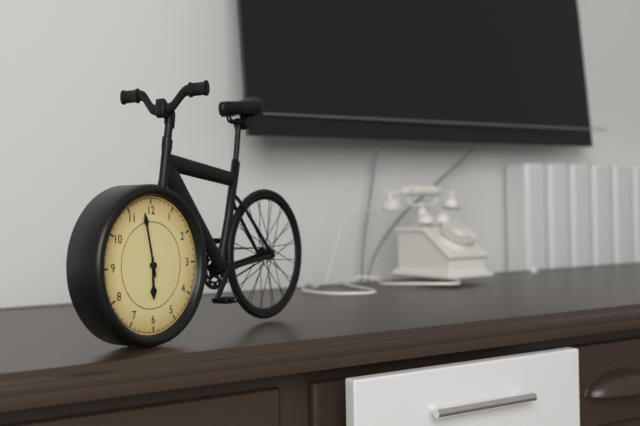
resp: 5h58
